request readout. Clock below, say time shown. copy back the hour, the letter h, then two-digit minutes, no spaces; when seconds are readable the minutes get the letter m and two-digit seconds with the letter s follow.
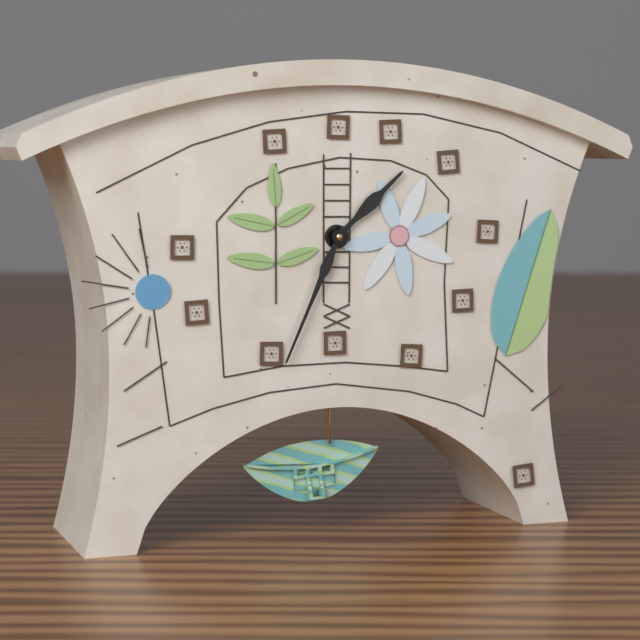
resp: 1h34
